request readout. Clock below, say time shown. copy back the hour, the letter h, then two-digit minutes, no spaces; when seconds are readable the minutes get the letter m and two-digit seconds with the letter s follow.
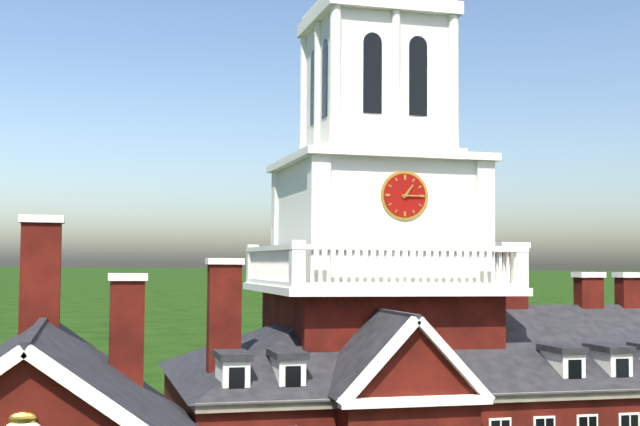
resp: 1h15
